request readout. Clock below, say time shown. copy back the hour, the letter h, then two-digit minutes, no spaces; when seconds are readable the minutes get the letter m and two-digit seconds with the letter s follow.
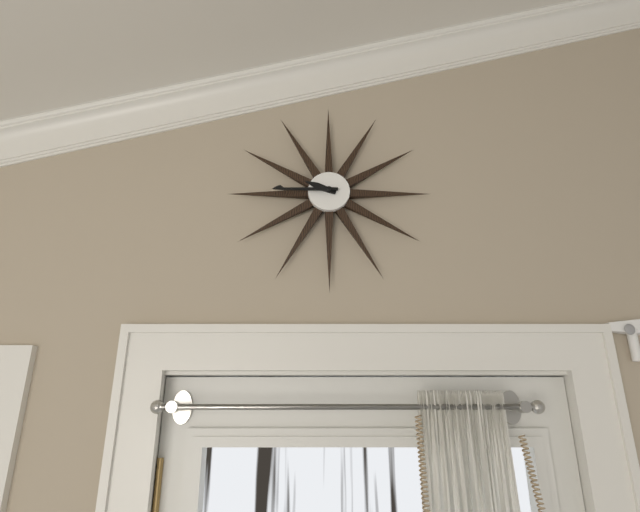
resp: 9h45
